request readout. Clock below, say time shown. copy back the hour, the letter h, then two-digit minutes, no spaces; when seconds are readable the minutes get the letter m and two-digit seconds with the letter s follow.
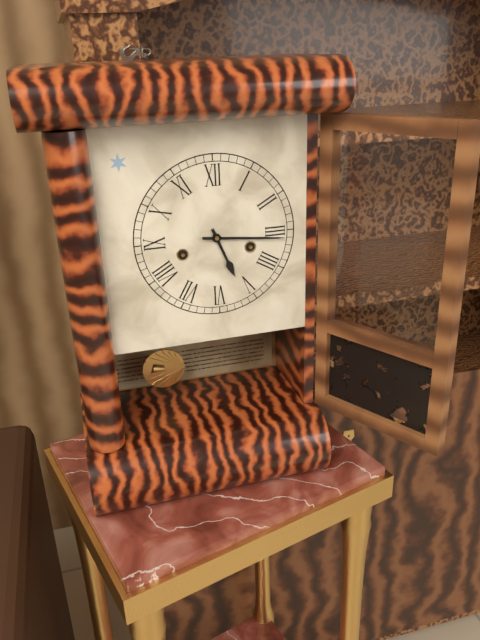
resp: 5h16
